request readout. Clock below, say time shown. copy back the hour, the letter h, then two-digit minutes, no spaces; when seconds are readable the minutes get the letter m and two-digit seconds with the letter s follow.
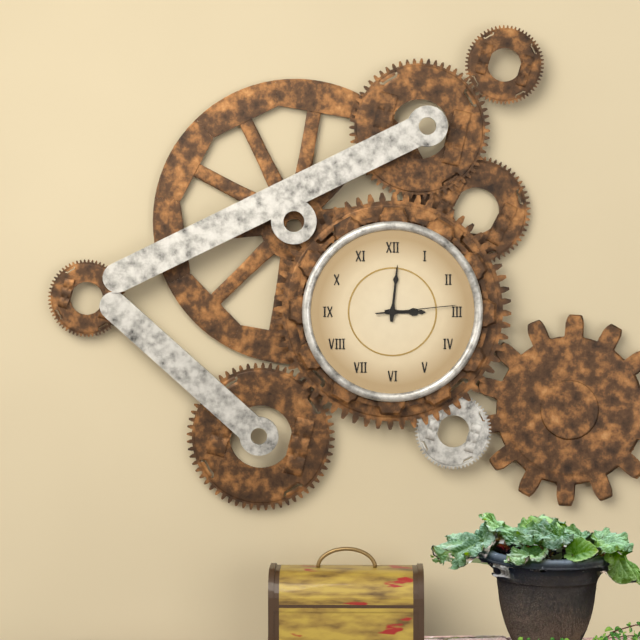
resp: 3h01m14s
